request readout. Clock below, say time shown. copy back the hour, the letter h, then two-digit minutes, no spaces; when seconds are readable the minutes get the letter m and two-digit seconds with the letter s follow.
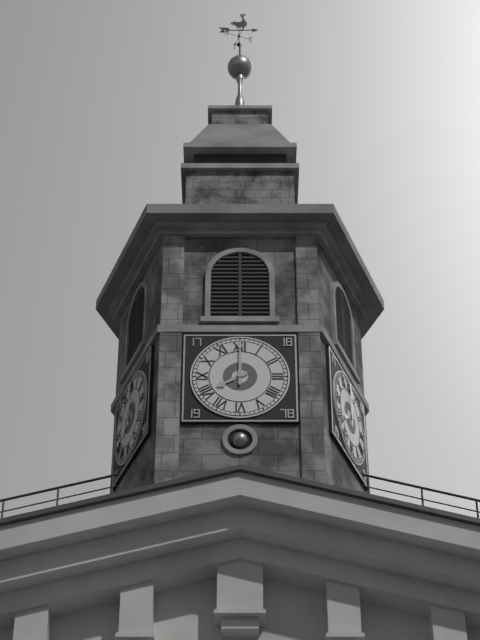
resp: 8h00
